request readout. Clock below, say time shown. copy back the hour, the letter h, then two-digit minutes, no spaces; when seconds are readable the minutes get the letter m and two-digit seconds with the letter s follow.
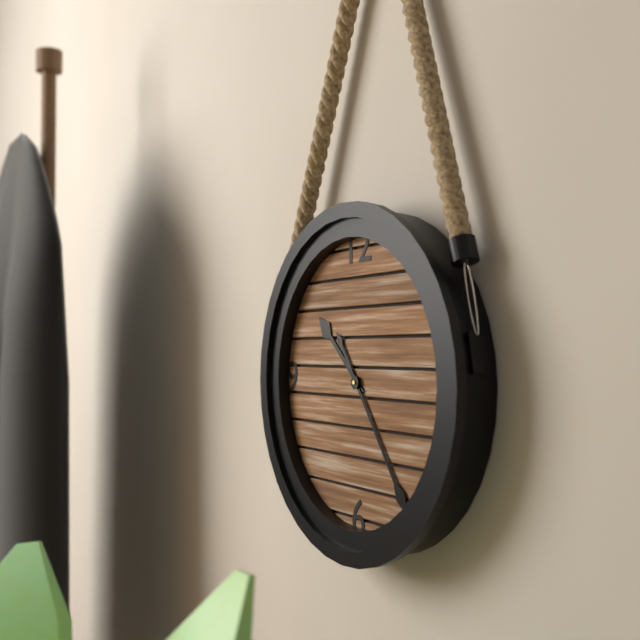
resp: 10h24
